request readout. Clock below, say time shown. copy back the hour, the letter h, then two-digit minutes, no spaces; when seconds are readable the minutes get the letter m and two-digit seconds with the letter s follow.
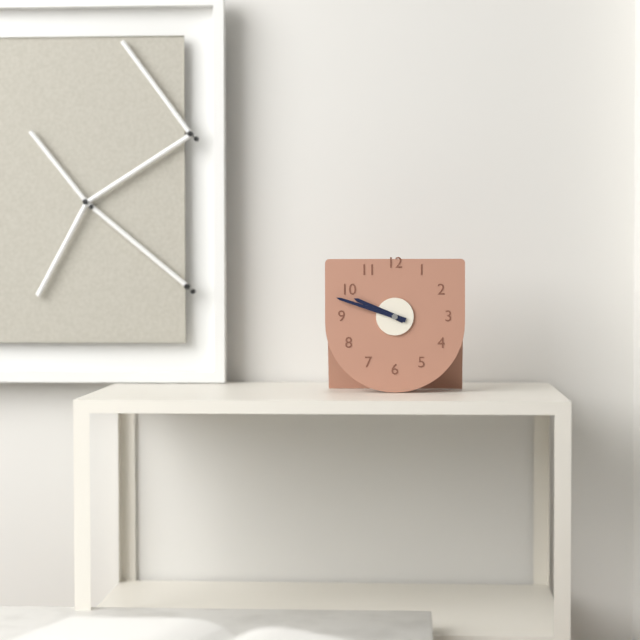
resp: 9h48
